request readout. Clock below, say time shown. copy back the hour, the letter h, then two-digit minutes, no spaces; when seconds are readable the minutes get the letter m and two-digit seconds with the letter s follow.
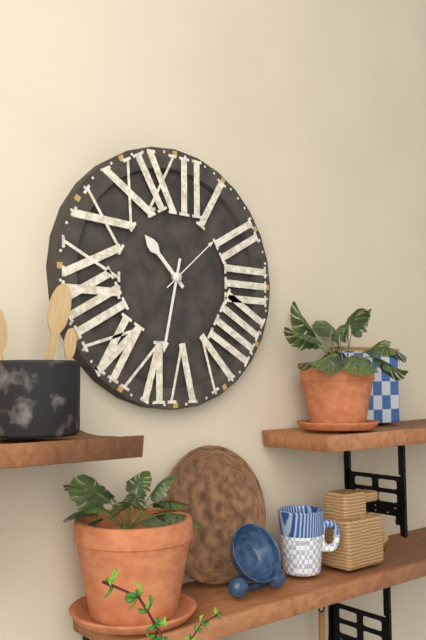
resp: 10h32m08s
